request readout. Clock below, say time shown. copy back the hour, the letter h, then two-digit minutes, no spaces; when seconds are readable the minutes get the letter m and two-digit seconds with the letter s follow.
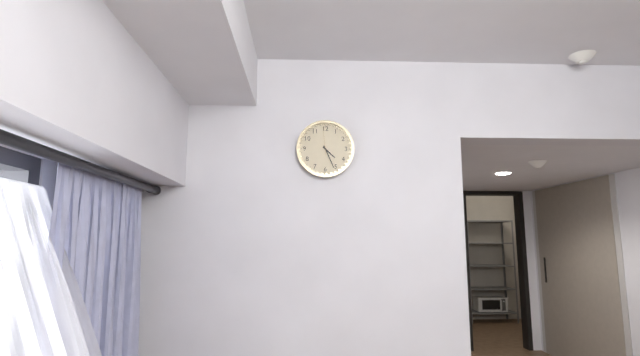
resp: 4h26
